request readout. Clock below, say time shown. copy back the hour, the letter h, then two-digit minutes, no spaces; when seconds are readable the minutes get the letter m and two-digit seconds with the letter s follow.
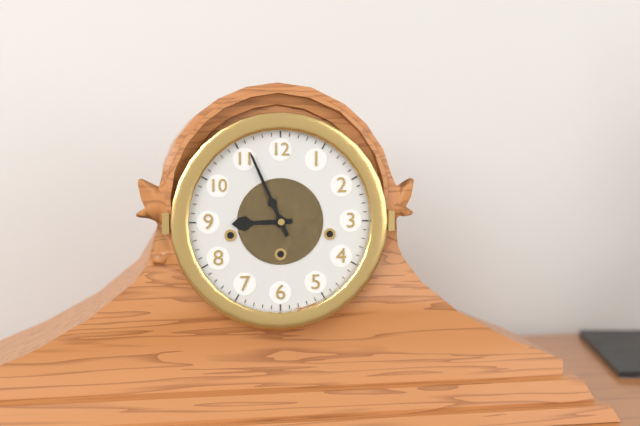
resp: 8h56
